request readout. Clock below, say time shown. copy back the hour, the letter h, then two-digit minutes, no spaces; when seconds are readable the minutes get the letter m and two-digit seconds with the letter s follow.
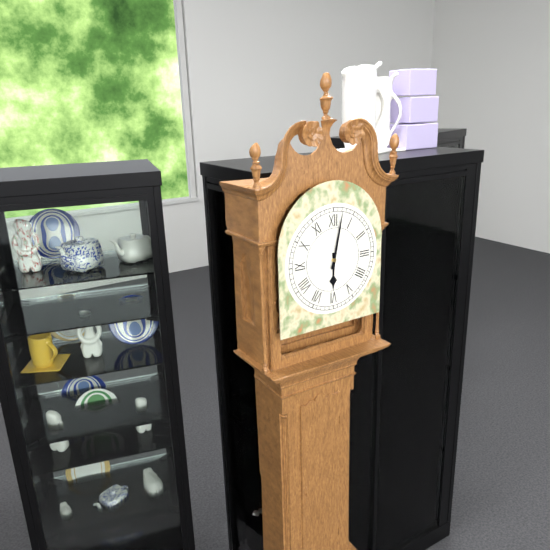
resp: 6h02
